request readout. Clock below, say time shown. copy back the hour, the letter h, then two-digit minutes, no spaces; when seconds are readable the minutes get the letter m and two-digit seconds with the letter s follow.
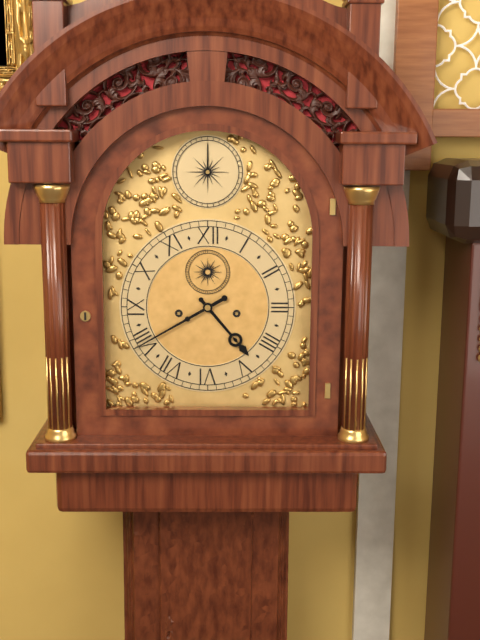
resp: 4h40
